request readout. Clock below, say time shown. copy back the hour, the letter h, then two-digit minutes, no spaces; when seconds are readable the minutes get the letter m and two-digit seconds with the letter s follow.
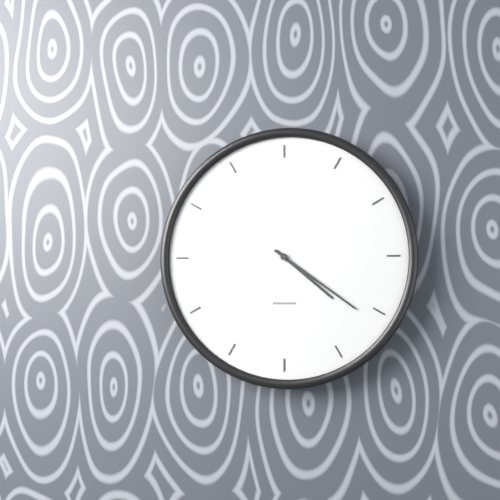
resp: 4h21
